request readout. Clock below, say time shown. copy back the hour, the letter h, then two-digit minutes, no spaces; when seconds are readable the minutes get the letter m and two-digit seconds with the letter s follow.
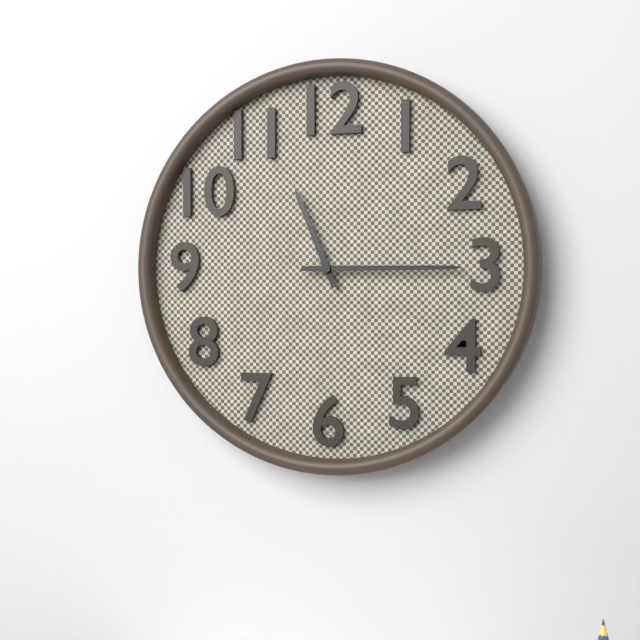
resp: 11h15
